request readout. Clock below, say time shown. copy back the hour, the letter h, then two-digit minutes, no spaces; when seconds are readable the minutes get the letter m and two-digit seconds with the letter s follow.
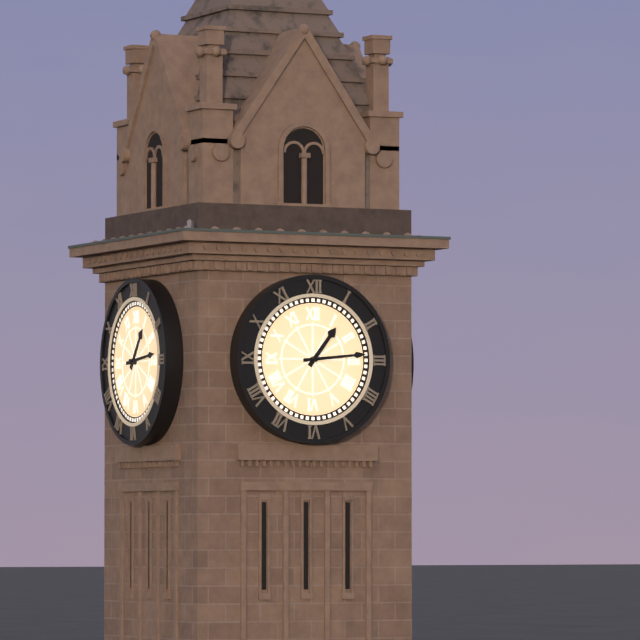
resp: 1h14
